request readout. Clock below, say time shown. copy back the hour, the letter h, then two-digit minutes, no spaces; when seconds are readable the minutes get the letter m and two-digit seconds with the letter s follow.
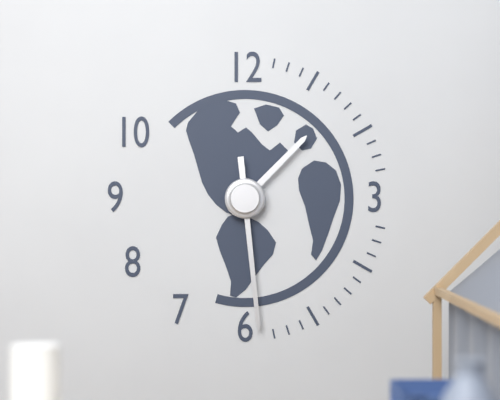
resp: 1h29
